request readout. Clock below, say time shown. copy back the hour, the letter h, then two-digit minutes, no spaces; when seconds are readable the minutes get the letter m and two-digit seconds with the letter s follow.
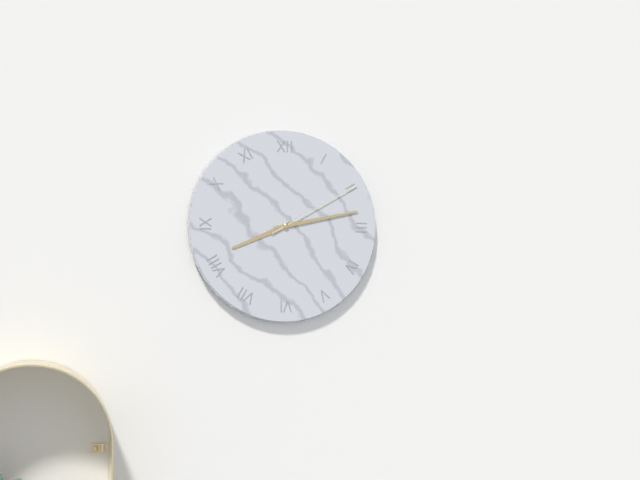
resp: 8h13m10s
